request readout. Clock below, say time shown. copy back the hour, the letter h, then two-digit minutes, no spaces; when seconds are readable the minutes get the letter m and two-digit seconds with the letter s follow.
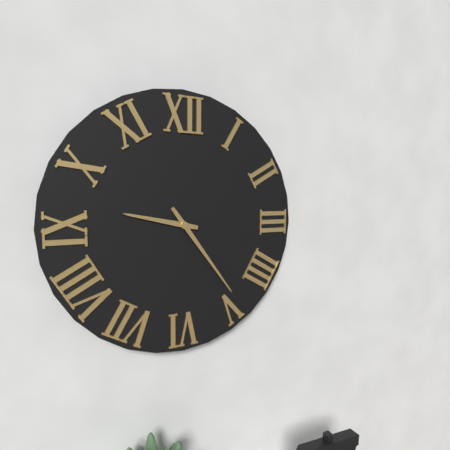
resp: 9h24
